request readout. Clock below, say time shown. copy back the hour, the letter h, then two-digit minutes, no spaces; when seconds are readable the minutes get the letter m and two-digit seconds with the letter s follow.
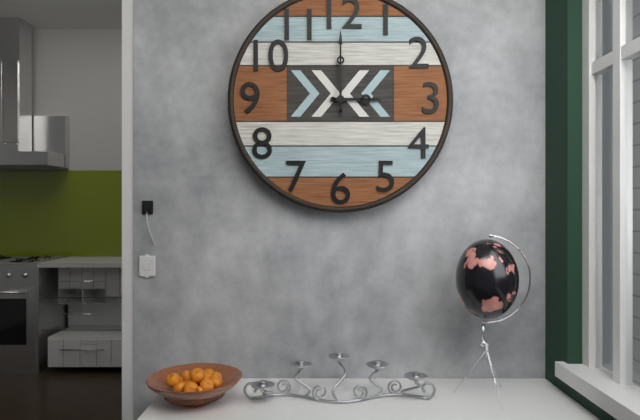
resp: 3h00
